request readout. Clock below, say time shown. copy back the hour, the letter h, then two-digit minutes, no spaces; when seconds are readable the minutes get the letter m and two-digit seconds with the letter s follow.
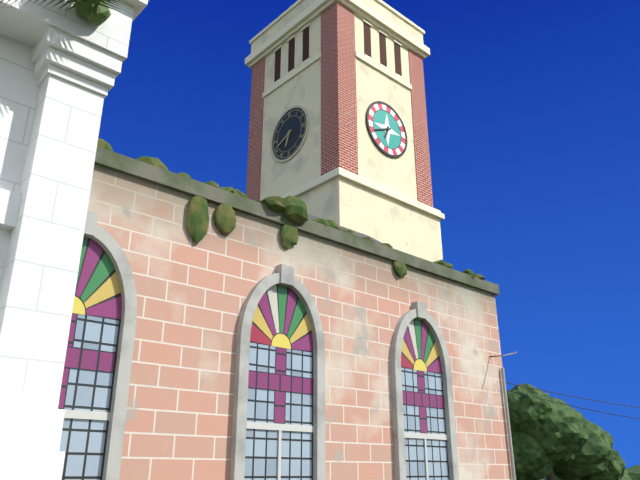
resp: 6h41
